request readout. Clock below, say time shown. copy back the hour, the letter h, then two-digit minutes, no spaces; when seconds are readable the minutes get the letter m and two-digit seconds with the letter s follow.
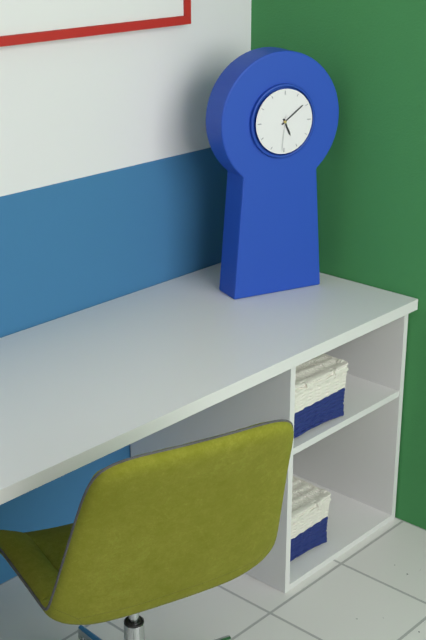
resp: 5h09
